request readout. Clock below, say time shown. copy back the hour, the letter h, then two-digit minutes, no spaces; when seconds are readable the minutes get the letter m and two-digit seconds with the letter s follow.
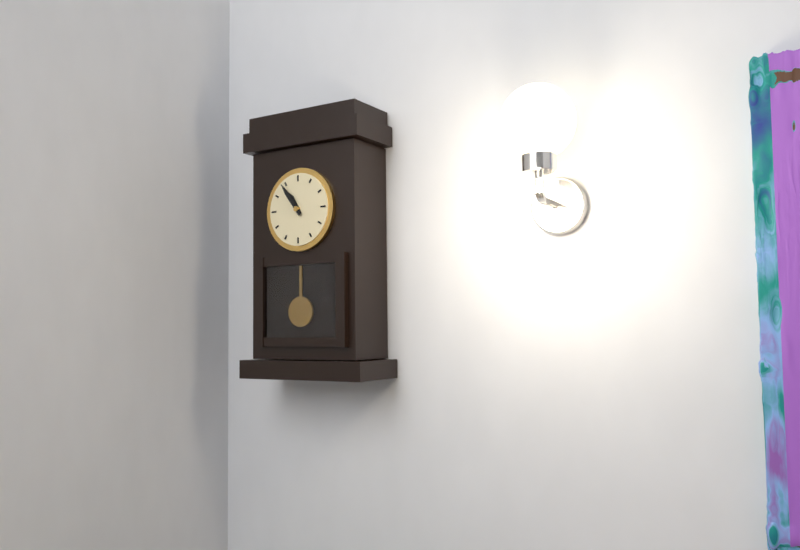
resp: 10h54
